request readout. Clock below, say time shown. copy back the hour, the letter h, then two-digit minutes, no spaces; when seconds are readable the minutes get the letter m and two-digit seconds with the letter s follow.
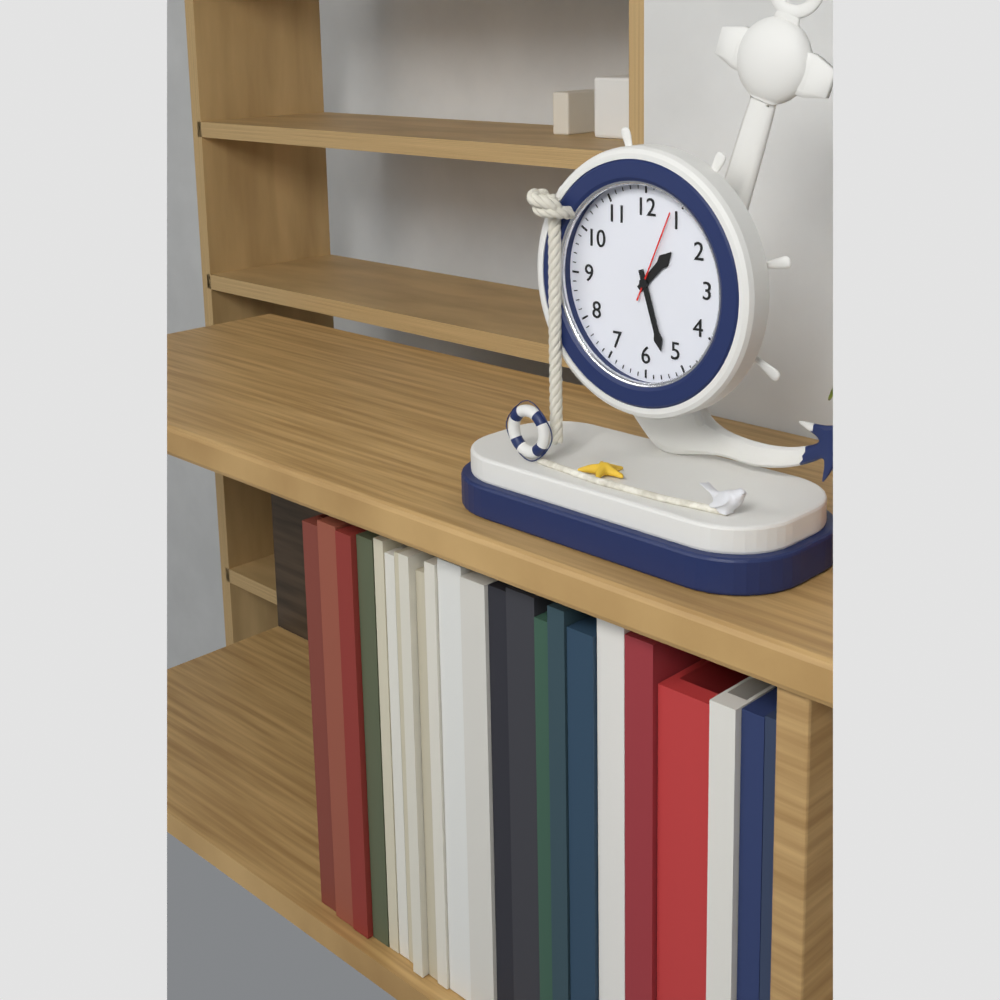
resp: 1h27m04s
